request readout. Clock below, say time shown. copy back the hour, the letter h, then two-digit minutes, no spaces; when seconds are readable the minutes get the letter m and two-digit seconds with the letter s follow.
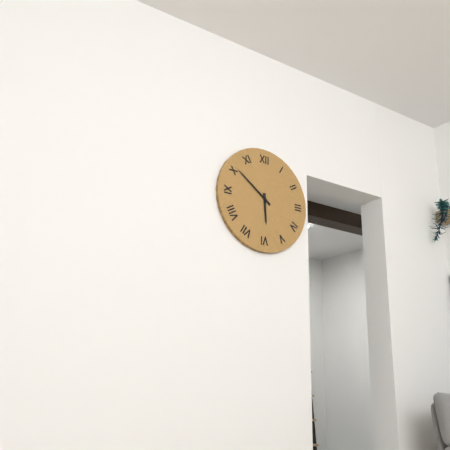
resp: 5h51
